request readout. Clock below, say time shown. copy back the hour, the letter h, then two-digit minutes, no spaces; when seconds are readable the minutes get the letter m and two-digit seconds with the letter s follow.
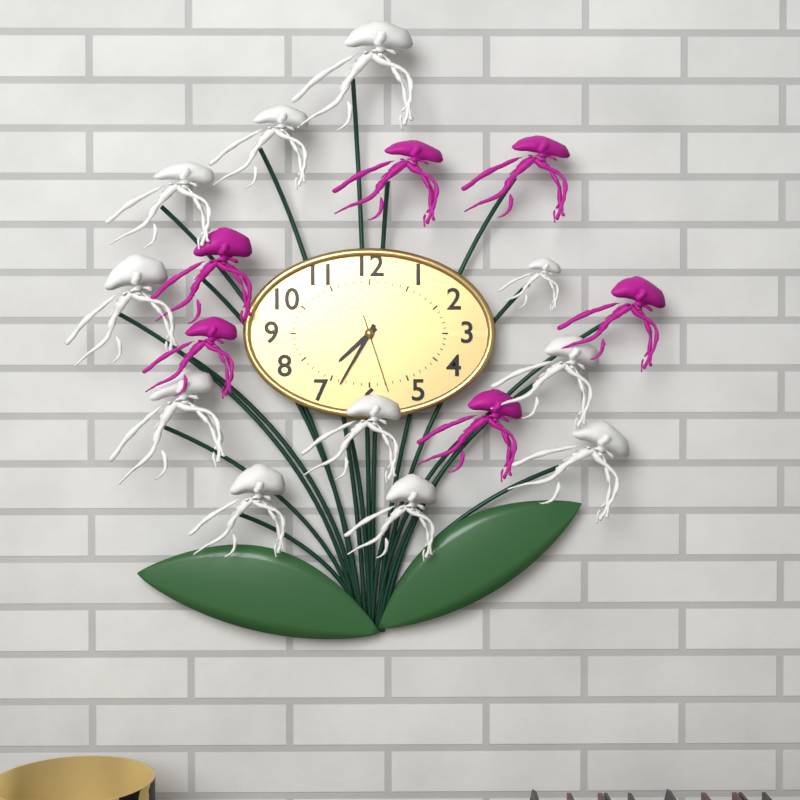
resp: 7h35m27s
